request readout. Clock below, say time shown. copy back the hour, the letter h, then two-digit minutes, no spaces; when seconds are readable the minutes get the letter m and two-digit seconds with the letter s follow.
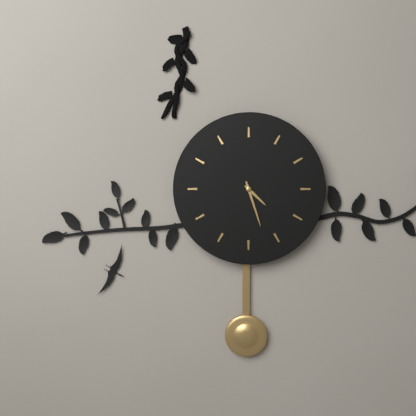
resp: 4h27
